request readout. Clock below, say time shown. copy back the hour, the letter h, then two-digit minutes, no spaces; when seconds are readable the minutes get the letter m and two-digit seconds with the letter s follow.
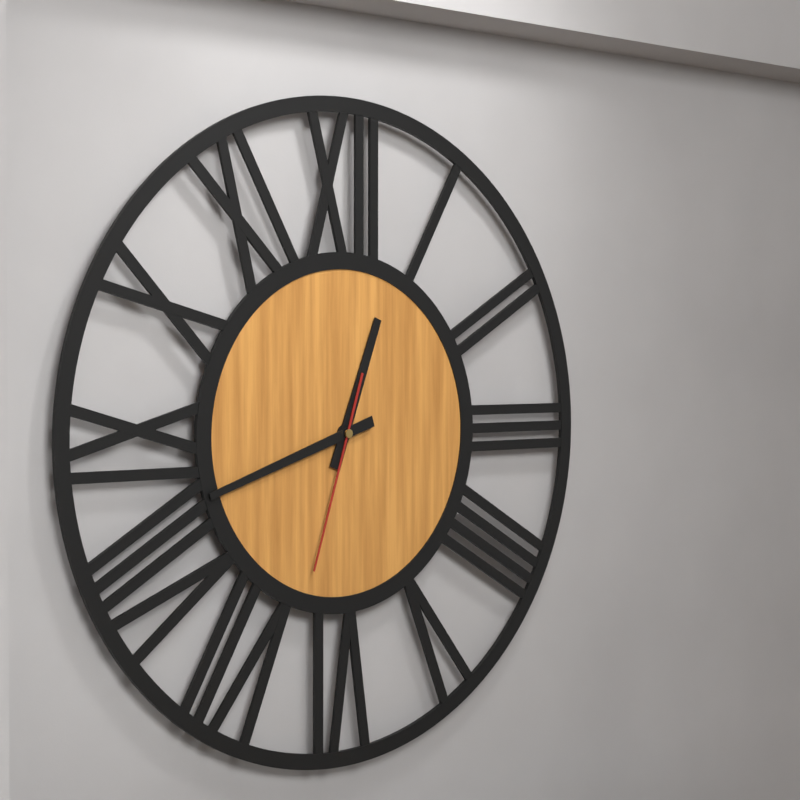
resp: 12h42m33s
